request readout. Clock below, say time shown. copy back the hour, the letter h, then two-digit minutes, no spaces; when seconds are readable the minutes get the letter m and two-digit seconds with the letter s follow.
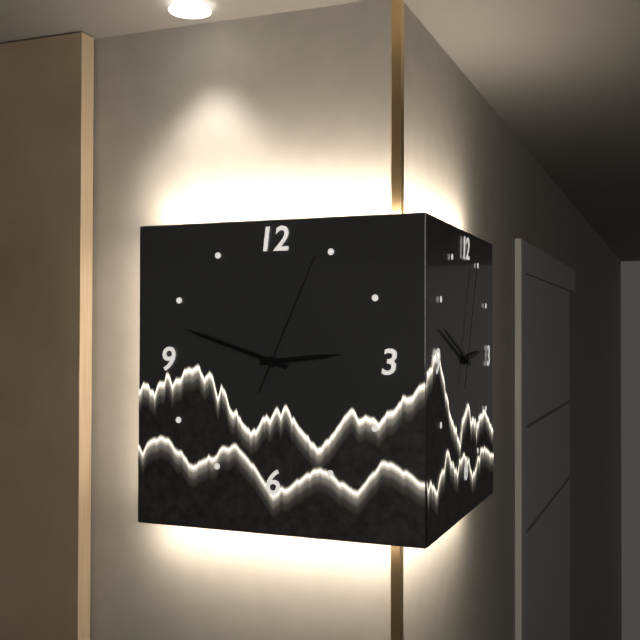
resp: 2h48m04s
